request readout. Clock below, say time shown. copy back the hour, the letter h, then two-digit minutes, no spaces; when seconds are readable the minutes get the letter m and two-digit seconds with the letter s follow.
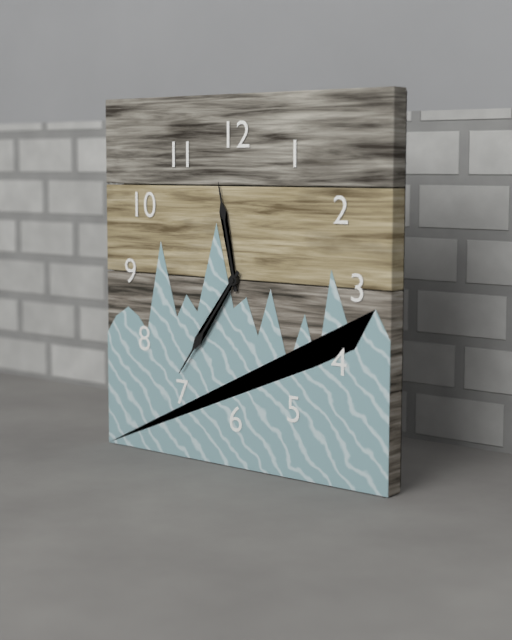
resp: 11h36
